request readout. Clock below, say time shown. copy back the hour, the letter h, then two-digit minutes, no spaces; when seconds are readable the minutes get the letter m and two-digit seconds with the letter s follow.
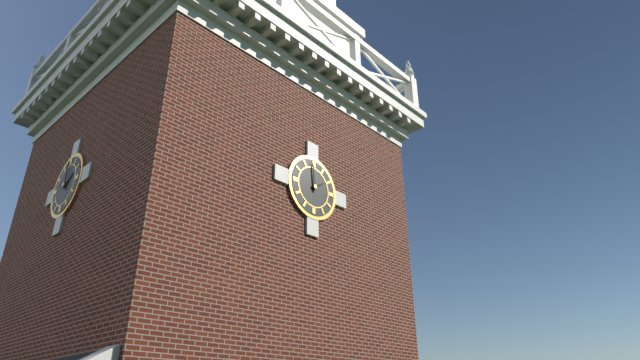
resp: 1h59
